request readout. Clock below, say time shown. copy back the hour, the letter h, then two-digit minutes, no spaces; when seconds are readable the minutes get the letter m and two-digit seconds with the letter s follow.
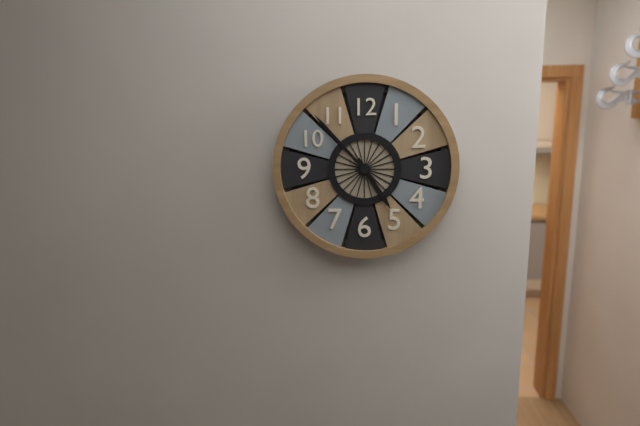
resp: 4h53
